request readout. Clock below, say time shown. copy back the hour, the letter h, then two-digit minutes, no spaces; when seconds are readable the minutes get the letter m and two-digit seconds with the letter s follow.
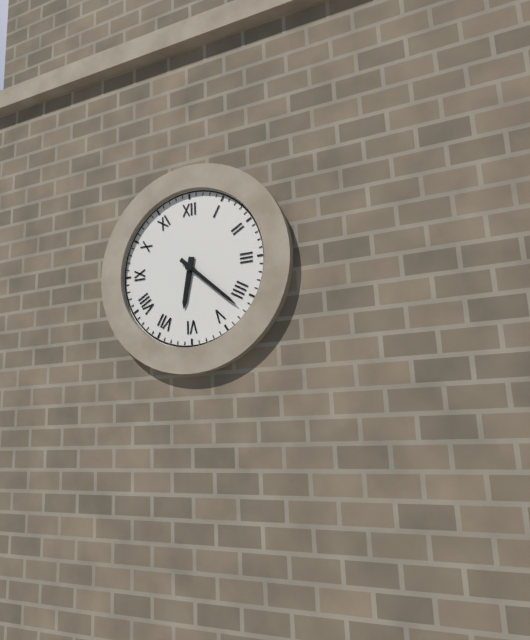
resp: 6h22
